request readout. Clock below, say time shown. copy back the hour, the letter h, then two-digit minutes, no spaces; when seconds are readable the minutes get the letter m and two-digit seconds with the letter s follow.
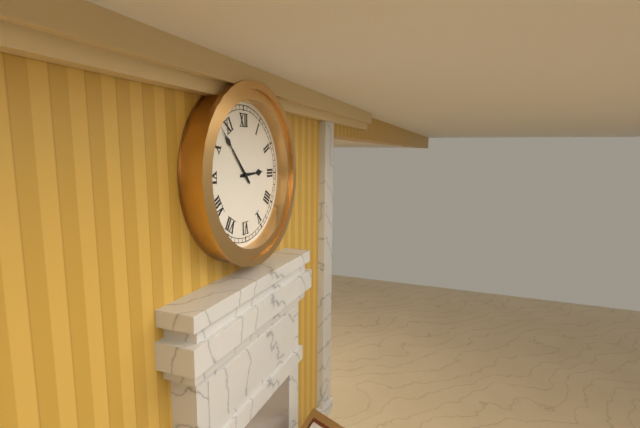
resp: 2h53
